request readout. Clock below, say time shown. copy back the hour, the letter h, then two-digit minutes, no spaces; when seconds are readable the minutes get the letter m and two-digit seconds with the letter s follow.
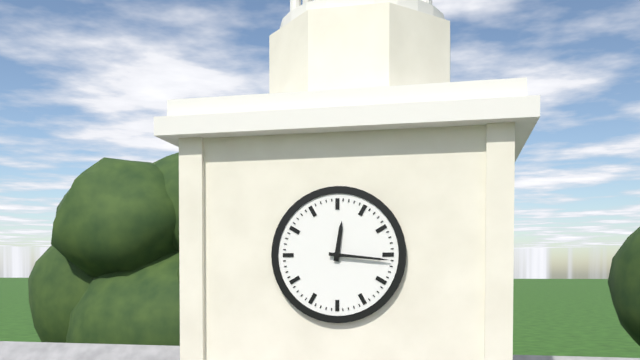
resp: 12h16
